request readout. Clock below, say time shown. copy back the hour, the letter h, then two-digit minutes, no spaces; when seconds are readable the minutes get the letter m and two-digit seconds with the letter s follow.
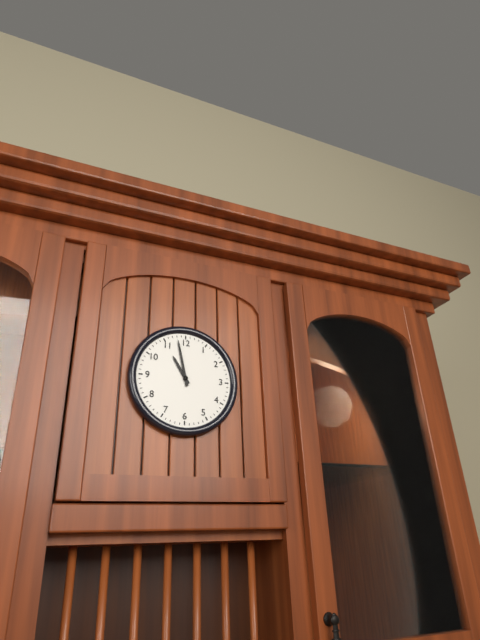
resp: 10h58
